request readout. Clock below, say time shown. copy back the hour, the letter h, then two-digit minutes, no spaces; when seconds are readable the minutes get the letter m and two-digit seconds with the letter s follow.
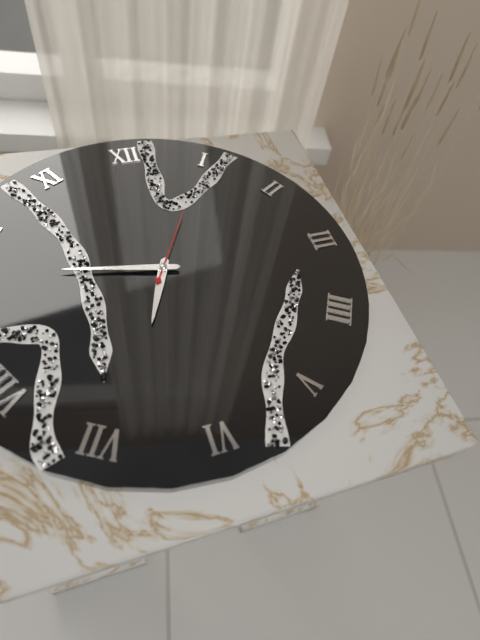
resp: 6h47m05s
